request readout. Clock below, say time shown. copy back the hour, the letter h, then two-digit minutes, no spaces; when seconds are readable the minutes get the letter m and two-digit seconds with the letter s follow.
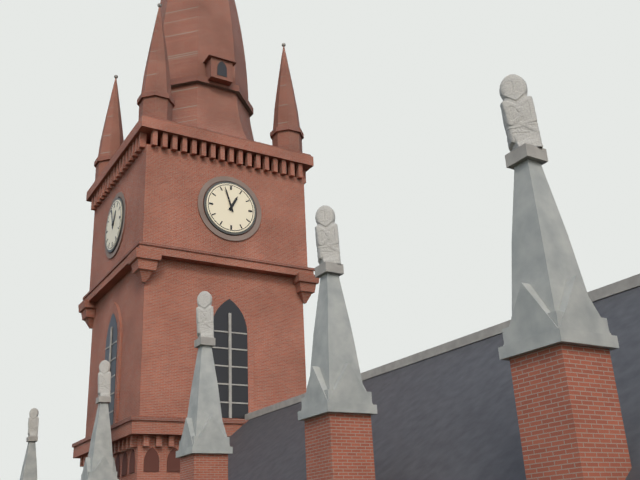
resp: 12h57
